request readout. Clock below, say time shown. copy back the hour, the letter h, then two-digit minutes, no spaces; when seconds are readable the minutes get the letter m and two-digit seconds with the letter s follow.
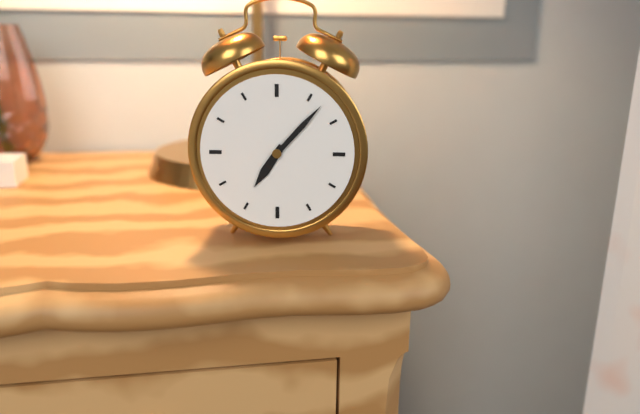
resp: 7h07
